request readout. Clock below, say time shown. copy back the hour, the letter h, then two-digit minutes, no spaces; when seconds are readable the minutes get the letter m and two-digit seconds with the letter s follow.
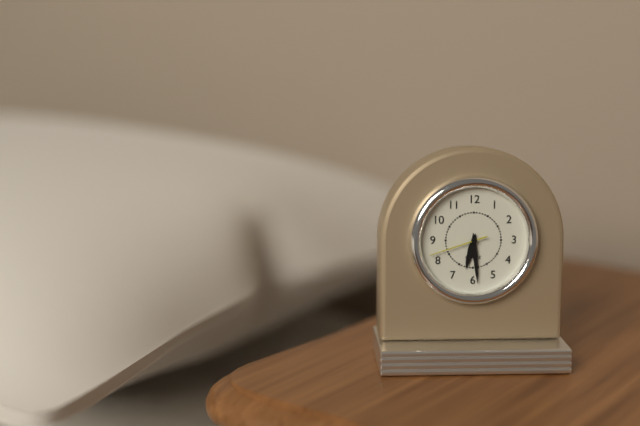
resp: 6h29m42s
